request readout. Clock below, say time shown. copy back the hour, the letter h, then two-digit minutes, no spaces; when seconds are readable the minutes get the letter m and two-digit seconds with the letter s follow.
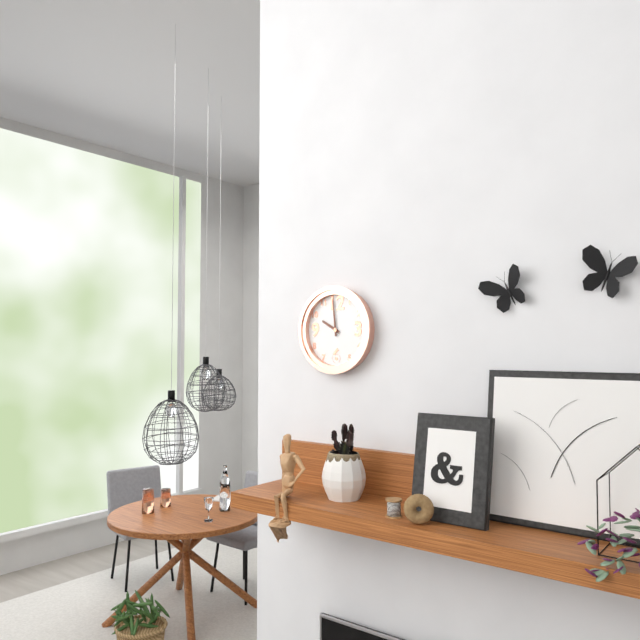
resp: 9h59
